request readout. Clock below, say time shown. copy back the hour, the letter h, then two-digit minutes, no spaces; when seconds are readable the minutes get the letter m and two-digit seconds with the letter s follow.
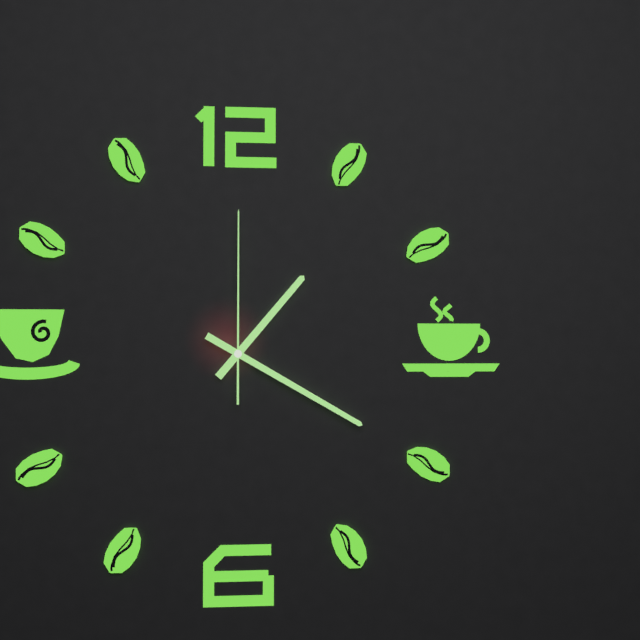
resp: 1h20m00s
